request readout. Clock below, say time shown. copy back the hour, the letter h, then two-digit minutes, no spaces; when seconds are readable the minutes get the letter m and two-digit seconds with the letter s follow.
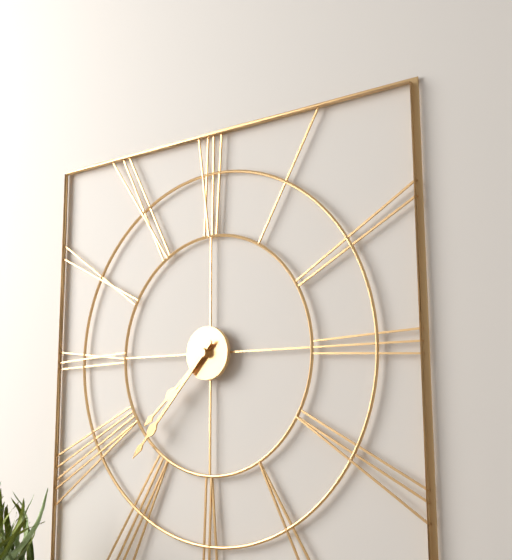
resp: 7h37
